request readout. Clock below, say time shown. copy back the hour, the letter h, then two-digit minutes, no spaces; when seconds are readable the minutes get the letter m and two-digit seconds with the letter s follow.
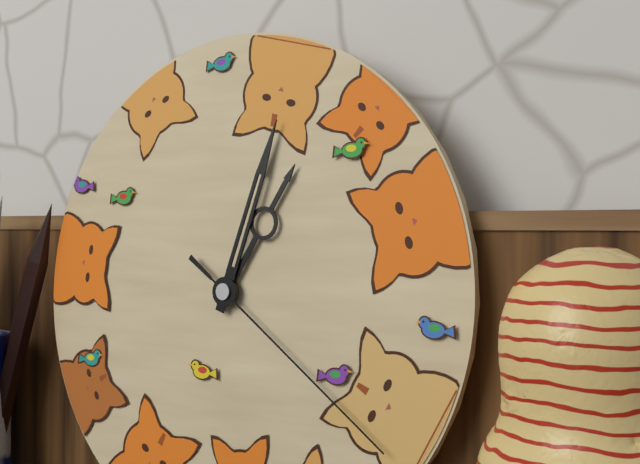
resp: 1h03m21s
